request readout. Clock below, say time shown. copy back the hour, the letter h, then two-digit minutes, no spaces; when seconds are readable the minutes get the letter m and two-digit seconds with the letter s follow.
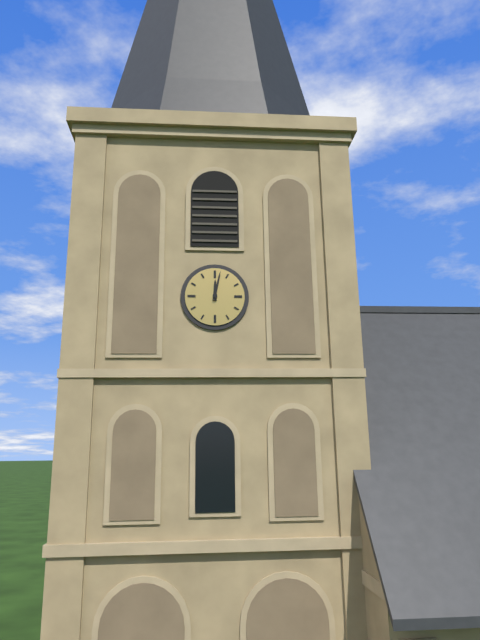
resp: 12h02
